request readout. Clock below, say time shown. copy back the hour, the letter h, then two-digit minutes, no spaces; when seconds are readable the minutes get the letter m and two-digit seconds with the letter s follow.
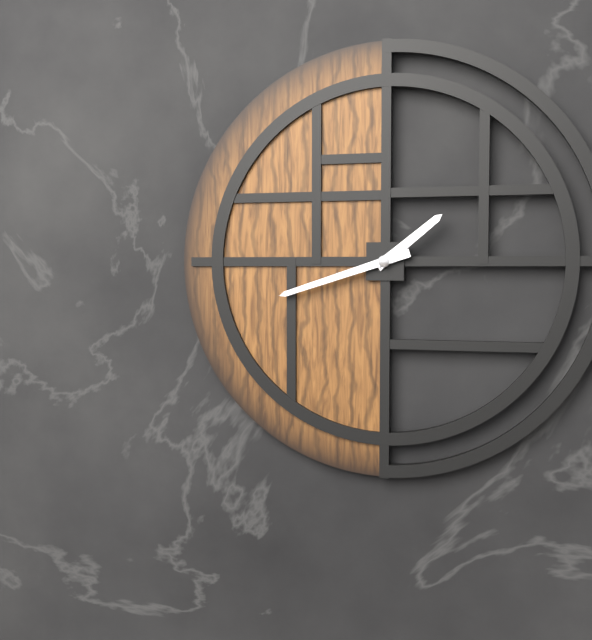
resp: 1h42
